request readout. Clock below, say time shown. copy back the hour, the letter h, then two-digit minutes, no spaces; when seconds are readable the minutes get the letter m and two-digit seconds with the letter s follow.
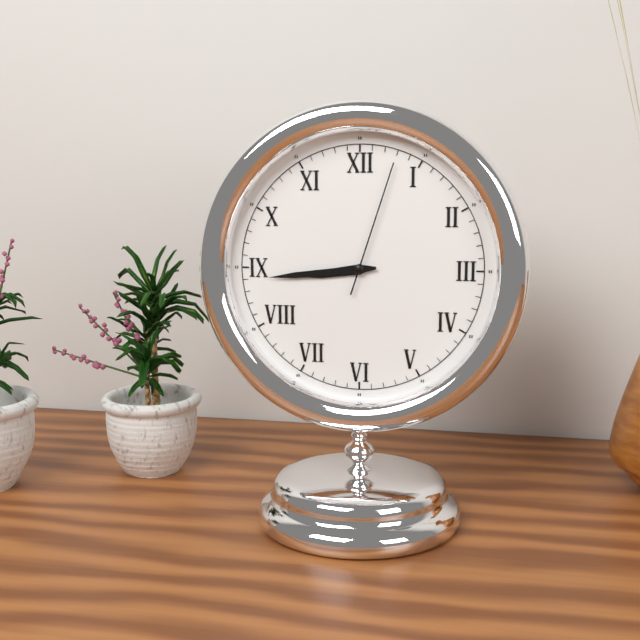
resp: 8h44m03s
